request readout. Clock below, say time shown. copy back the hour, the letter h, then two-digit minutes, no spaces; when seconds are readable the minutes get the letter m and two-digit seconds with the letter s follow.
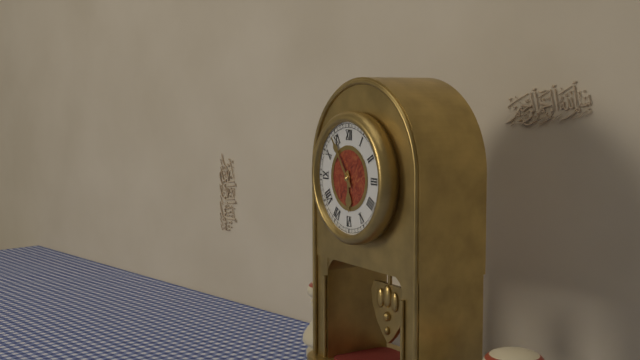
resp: 5h54
